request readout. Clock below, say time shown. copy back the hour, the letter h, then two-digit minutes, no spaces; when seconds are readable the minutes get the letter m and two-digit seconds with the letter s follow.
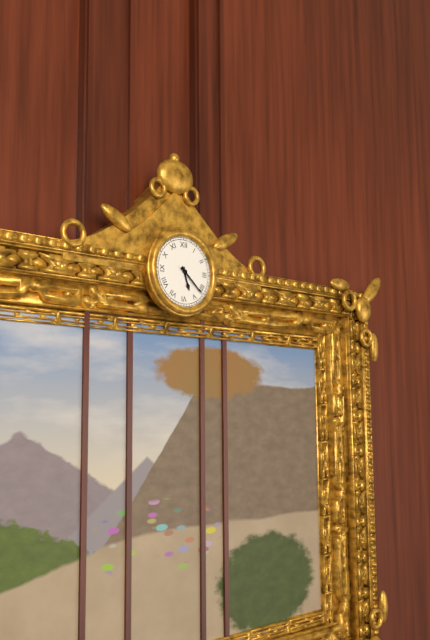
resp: 5h22
